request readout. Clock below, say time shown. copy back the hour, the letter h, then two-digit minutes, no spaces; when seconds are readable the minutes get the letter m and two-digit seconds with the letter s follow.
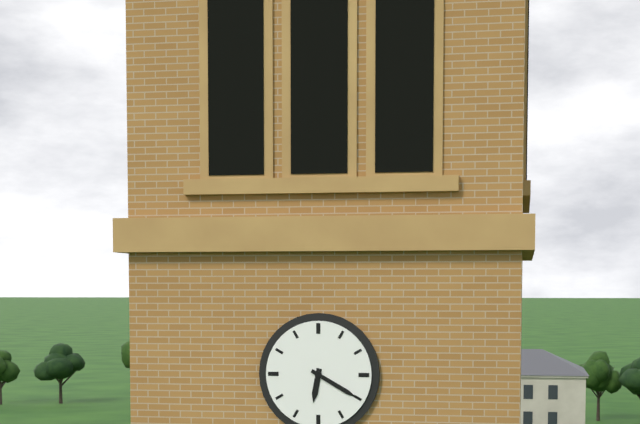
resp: 6h20
